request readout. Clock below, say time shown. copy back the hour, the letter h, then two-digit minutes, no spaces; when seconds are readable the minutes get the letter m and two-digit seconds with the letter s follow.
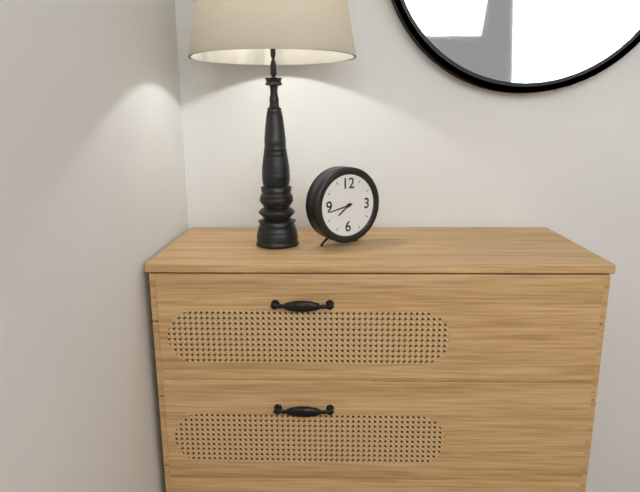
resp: 7h43
